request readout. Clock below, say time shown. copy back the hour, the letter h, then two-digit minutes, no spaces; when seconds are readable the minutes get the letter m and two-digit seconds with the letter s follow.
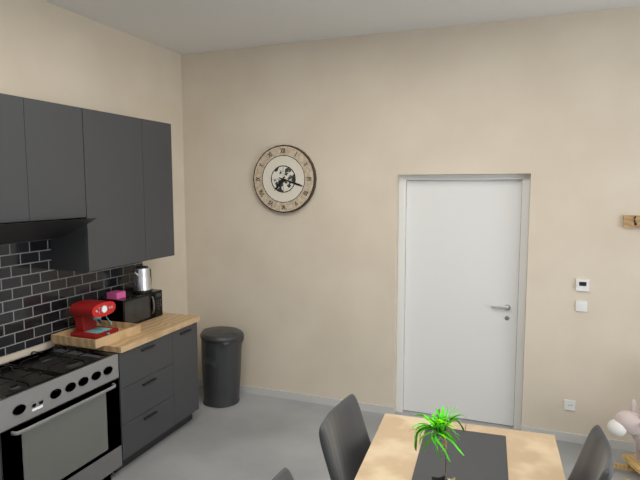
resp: 7h18
